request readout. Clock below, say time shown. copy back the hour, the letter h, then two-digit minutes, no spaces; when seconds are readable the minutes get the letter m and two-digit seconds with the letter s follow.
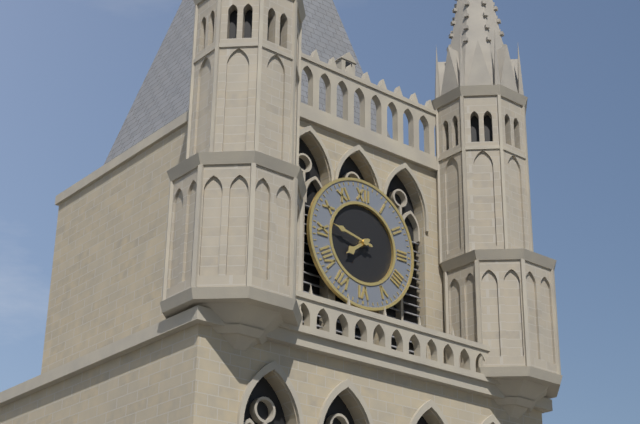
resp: 7h47
